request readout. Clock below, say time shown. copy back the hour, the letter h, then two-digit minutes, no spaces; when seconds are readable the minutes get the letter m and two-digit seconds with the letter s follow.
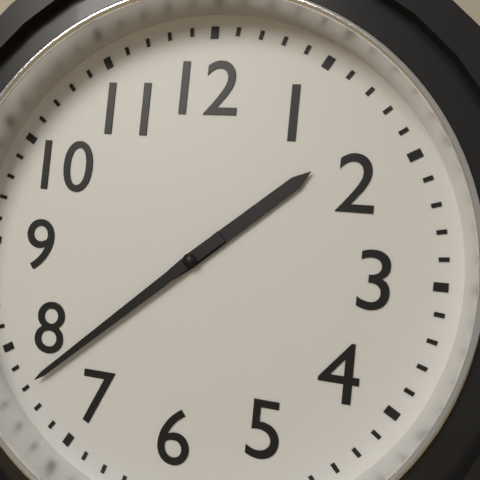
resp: 1h38
